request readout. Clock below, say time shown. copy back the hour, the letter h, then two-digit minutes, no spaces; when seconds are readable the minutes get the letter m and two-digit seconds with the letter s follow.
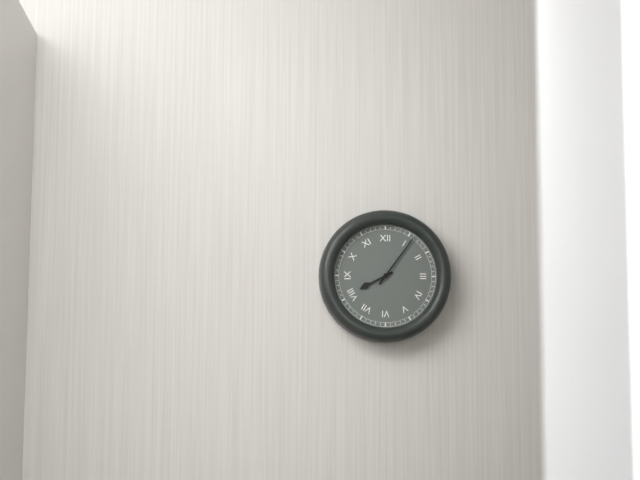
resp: 8h06
